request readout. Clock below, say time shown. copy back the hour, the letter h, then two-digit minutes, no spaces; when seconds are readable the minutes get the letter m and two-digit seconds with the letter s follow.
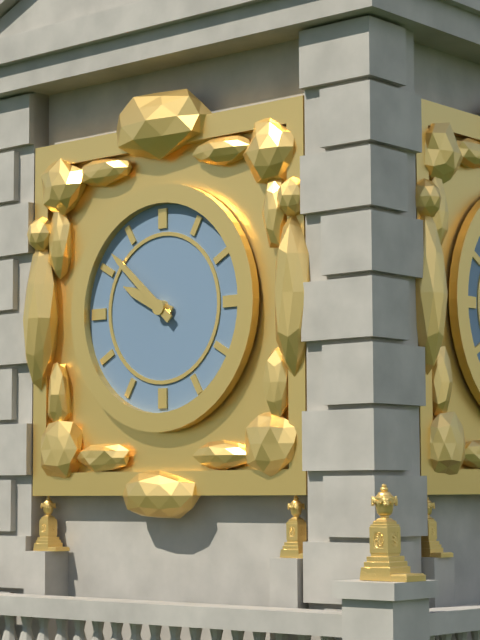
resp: 9h52
